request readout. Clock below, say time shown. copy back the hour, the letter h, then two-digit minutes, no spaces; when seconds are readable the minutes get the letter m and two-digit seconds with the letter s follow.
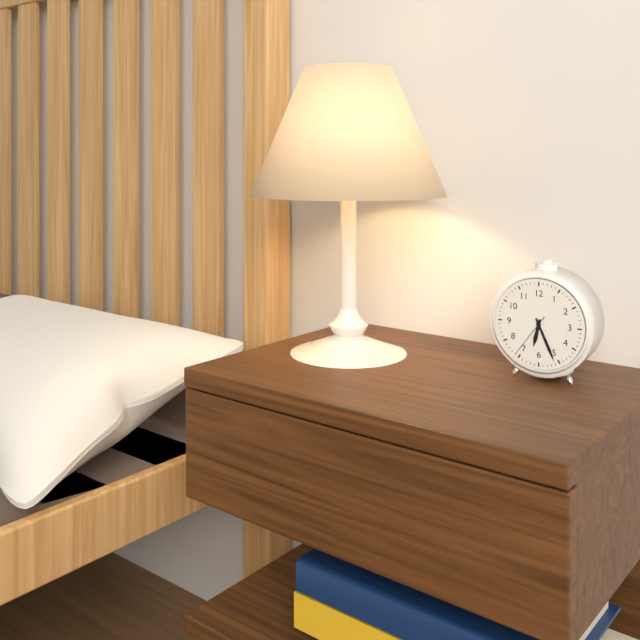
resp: 6h26
